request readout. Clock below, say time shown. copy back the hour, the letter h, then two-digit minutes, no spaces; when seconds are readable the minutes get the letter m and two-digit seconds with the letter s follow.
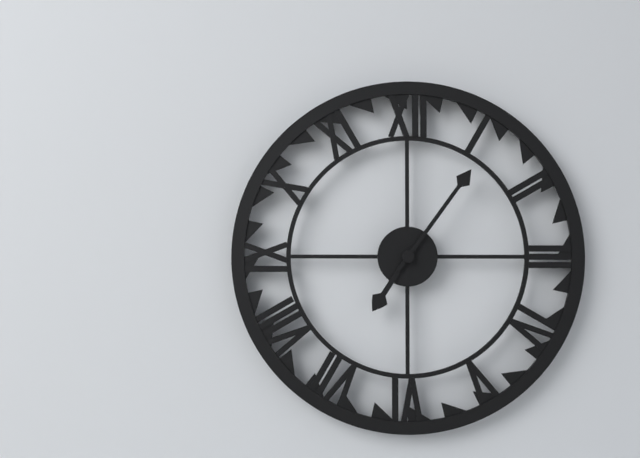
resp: 7h06
